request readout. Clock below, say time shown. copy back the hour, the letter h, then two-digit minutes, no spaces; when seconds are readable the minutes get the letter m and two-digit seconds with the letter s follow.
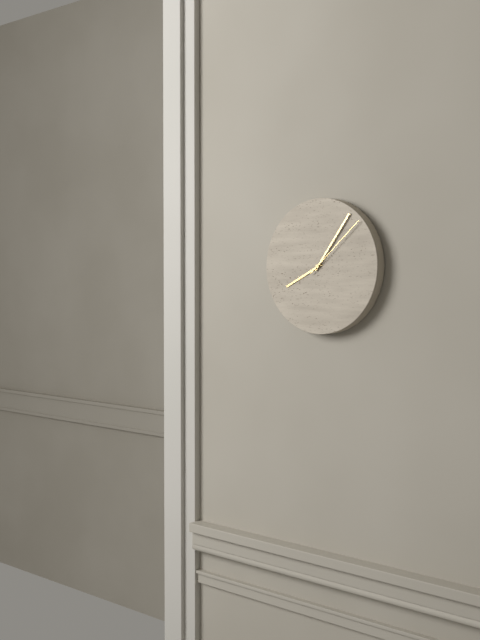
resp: 8h06m08s
